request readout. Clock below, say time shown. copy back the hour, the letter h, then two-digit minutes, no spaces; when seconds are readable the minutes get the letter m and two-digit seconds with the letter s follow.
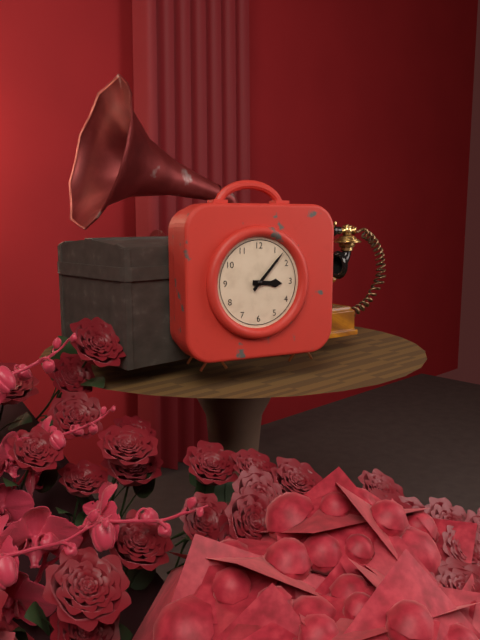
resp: 3h07
